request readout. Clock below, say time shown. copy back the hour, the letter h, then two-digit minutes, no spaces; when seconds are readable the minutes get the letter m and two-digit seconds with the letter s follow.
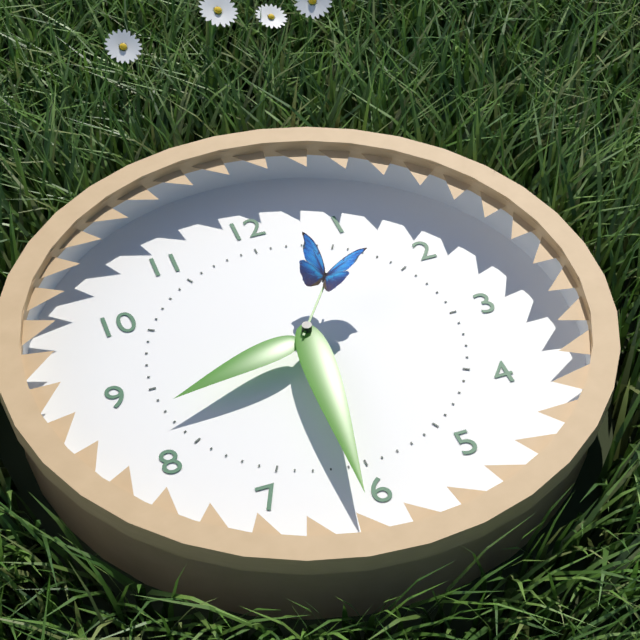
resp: 8h31m06s
